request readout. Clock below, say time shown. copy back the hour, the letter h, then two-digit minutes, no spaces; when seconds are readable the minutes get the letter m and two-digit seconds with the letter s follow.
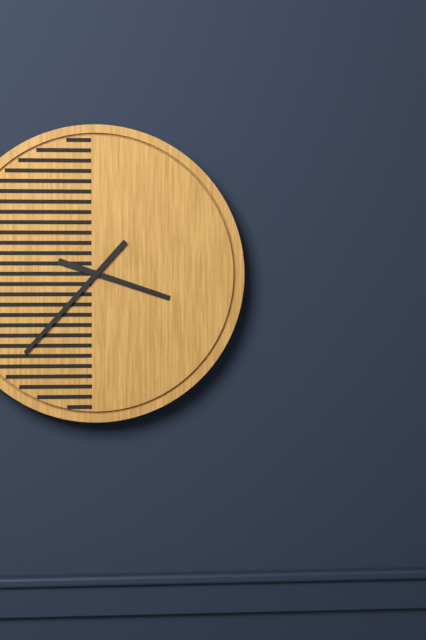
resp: 3h37
